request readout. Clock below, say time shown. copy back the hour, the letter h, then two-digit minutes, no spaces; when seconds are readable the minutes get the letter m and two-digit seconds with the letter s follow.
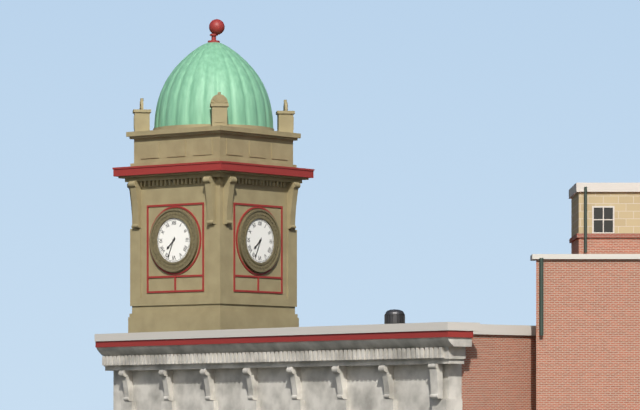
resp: 7h34
